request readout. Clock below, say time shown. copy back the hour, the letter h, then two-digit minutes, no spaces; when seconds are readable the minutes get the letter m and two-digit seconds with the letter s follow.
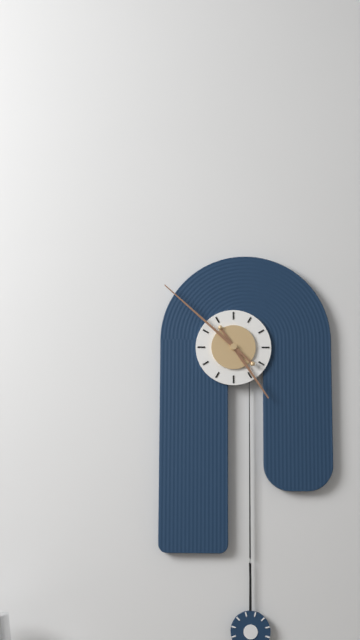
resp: 4h52
